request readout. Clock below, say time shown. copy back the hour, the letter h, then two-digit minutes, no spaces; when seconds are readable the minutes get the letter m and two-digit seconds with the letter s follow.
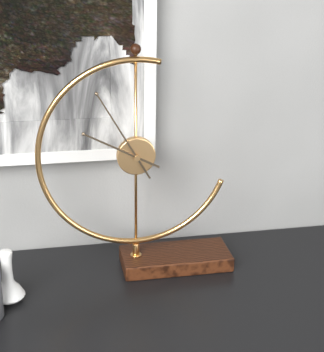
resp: 9h55
